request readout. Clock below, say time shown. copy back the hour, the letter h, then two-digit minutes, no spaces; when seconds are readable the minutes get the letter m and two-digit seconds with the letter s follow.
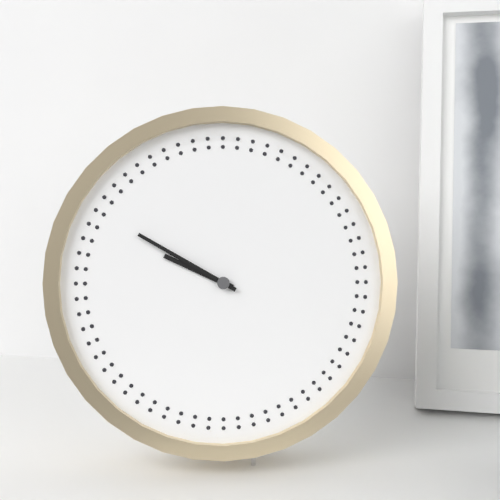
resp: 9h50
